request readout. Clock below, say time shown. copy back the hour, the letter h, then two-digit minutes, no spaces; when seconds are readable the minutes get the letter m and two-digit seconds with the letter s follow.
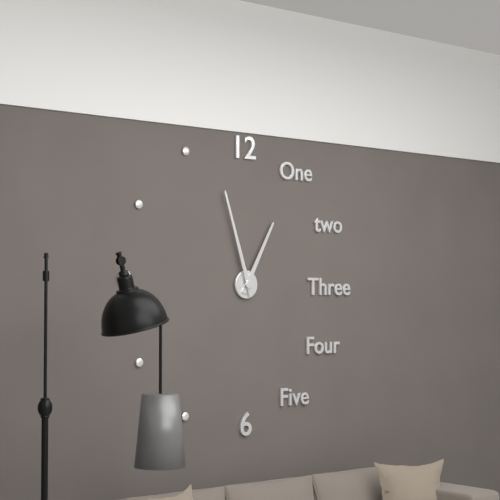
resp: 12h57
